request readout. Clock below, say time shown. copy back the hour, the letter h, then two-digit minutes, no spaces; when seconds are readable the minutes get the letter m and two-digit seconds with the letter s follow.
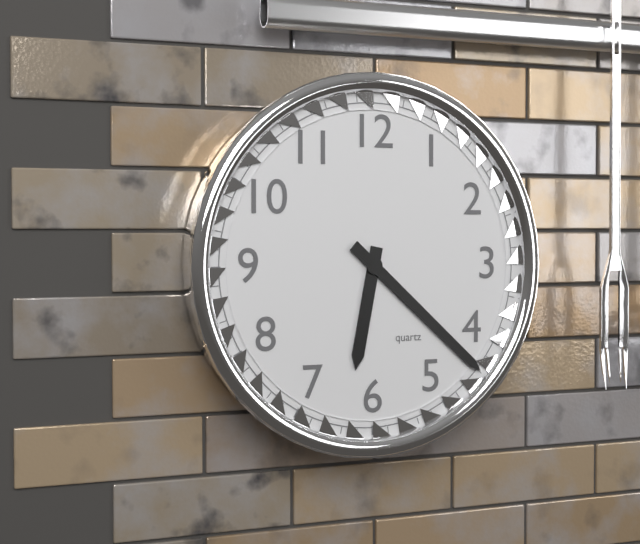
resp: 6h22
